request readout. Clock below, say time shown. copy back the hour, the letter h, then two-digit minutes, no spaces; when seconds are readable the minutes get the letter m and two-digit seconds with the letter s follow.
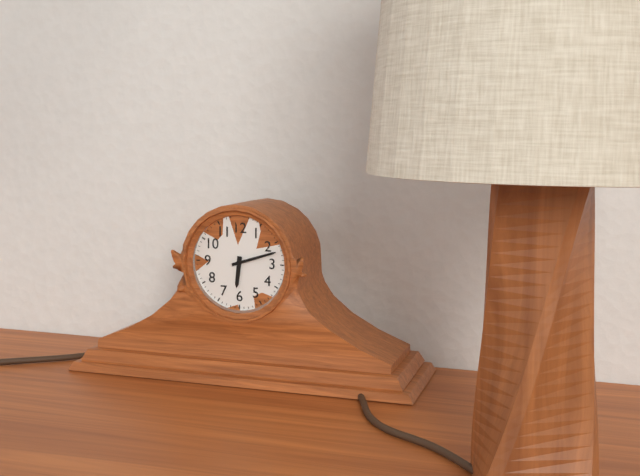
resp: 6h12
